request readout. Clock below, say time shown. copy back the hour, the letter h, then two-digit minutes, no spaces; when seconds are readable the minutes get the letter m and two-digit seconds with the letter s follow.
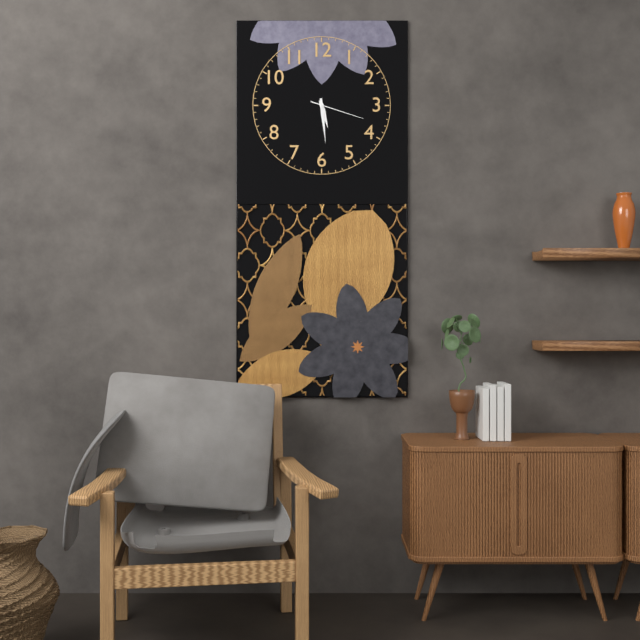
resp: 5h29m18s
